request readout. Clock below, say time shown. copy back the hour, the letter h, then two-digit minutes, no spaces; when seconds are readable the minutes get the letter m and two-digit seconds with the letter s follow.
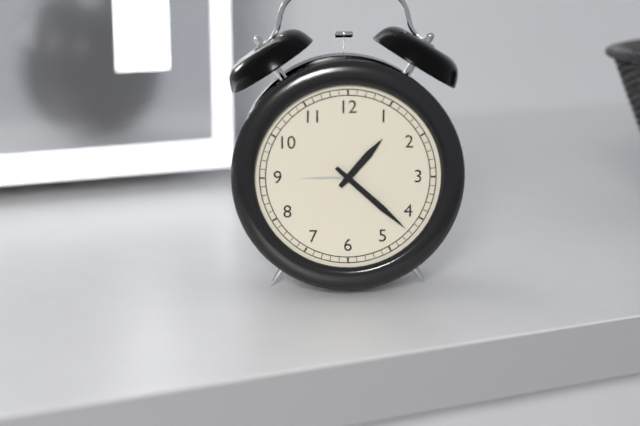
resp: 1h22
